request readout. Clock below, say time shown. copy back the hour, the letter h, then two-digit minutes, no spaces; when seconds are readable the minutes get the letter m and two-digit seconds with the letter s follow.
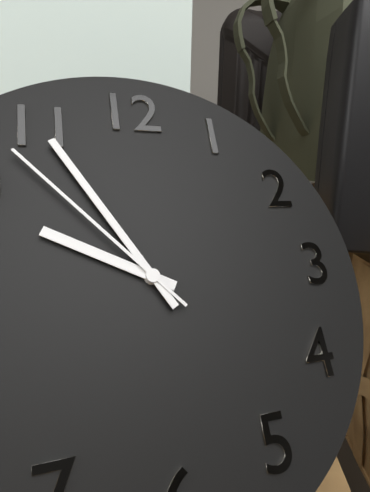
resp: 9h55m53s
